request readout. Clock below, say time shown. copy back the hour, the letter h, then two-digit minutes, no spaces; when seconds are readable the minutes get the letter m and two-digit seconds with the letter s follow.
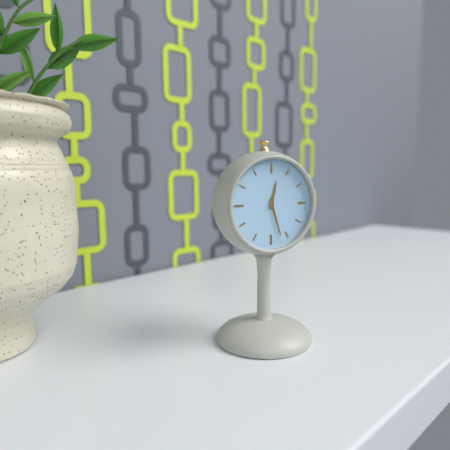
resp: 12h27
